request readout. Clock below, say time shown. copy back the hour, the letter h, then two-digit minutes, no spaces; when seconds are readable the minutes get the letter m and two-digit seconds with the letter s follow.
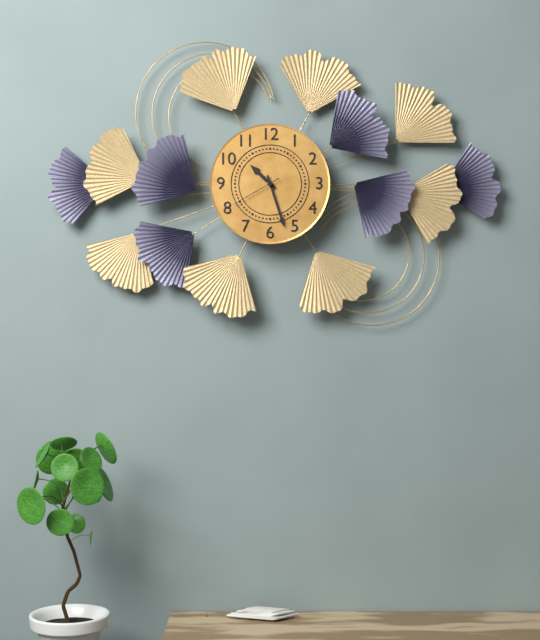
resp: 10h27m40s
